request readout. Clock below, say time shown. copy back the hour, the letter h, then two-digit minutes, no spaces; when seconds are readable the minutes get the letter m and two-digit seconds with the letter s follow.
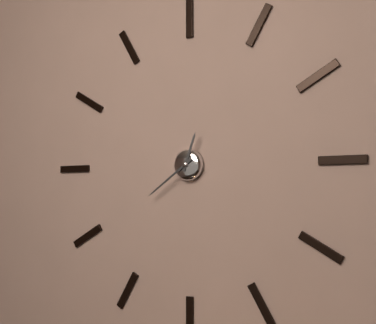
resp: 12h39
